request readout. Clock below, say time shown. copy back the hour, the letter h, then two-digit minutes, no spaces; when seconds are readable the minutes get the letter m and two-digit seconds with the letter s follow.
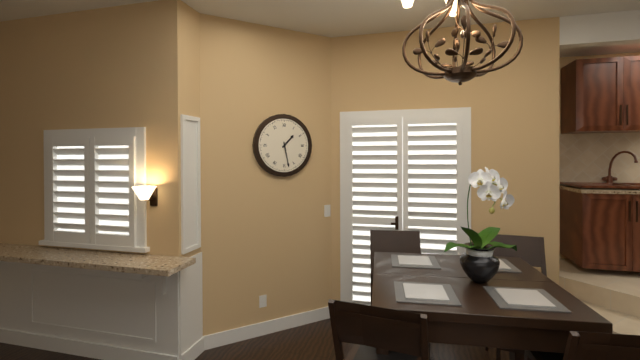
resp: 1h28
